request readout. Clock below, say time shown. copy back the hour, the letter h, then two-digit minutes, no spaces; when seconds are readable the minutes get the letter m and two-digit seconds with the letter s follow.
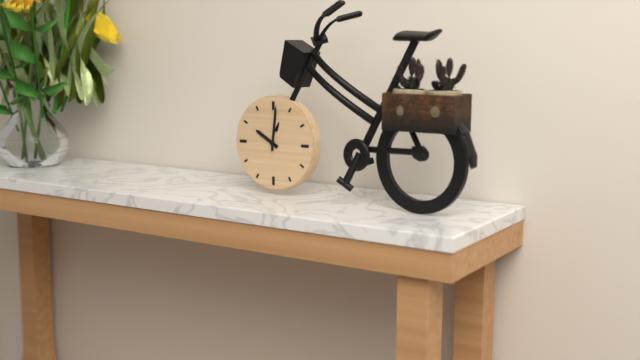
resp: 10h01
